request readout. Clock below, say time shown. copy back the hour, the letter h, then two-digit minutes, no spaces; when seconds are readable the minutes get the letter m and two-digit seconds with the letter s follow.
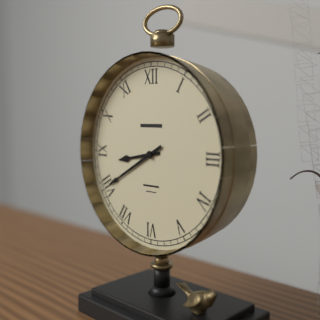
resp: 8h40
